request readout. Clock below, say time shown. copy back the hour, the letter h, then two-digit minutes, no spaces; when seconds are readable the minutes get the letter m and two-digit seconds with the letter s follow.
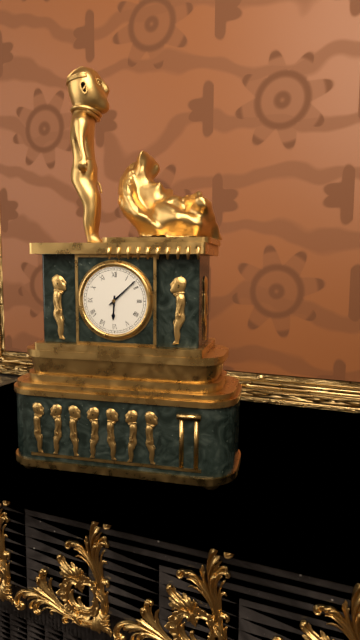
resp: 6h08
